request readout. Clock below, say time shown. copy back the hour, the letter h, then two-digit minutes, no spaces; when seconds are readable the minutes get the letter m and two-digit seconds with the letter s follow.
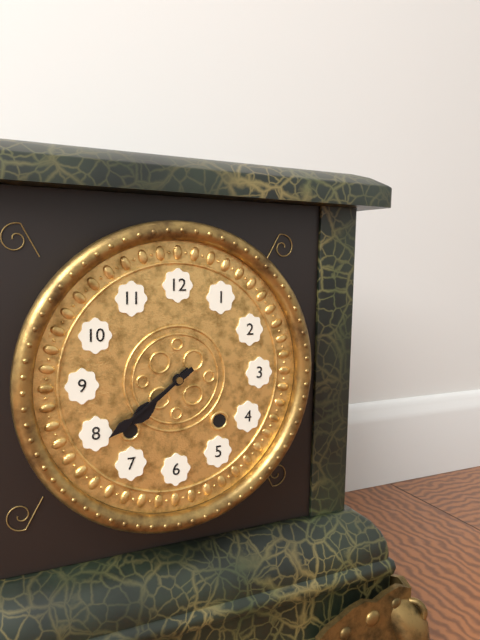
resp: 7h39
